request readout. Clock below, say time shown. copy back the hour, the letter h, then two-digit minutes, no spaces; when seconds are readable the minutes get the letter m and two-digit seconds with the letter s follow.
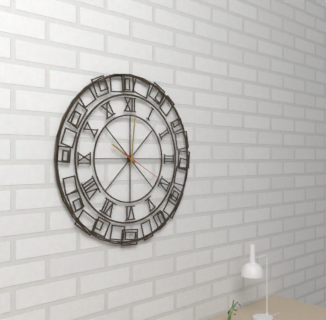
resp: 10h01
